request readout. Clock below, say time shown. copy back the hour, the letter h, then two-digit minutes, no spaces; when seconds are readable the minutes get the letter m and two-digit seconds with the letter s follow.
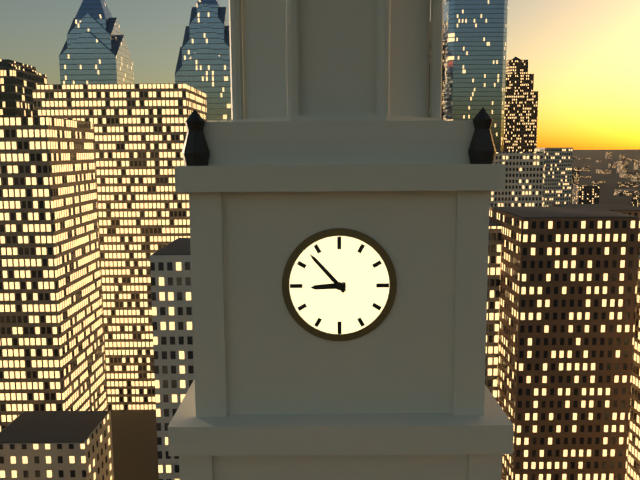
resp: 8h53
